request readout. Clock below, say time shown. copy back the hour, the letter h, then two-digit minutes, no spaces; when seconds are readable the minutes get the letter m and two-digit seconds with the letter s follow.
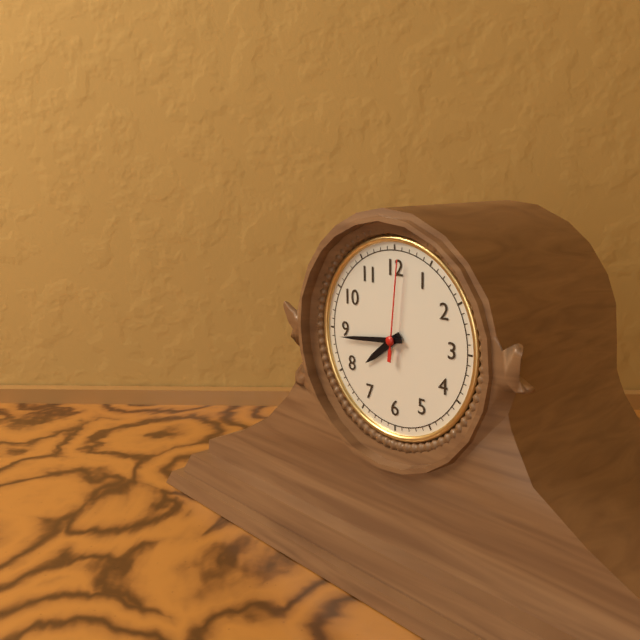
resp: 7h44m01s
